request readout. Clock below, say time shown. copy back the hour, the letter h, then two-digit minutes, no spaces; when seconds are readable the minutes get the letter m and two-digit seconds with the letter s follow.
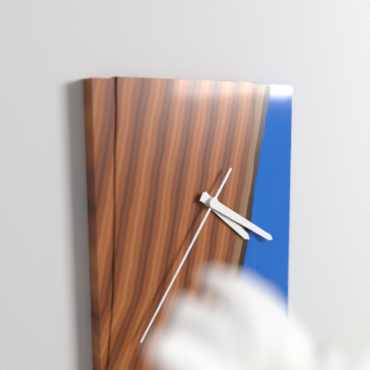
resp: 4h20m36s
